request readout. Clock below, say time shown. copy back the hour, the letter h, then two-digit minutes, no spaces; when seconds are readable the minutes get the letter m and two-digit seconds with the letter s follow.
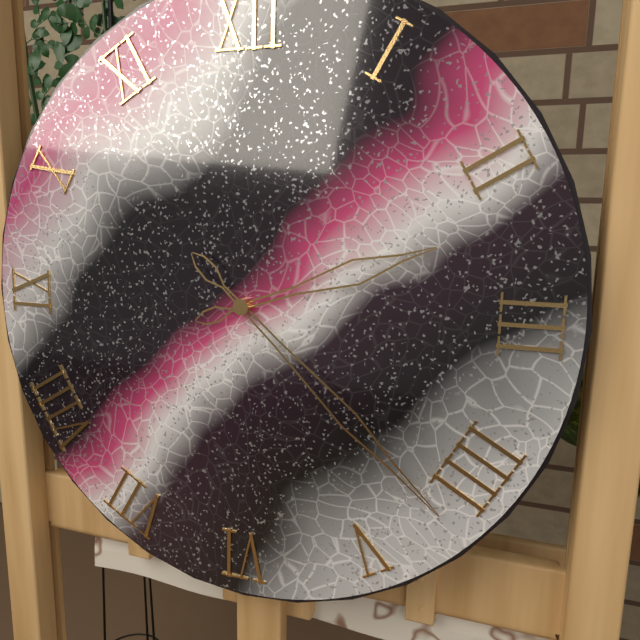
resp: 2h22
